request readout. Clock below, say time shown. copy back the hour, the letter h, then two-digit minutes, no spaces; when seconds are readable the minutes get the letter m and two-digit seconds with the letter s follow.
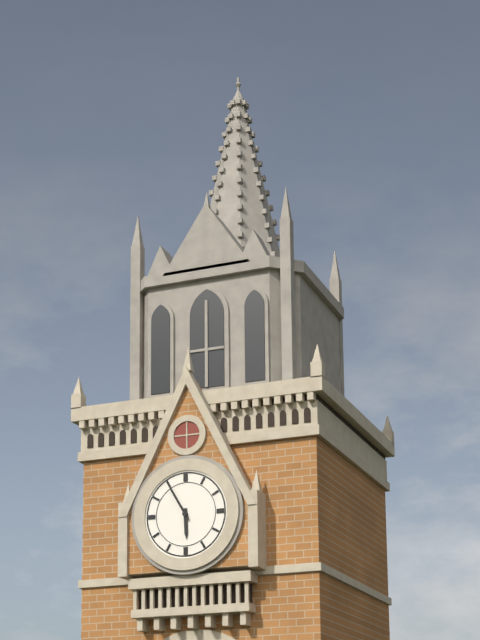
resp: 5h55
